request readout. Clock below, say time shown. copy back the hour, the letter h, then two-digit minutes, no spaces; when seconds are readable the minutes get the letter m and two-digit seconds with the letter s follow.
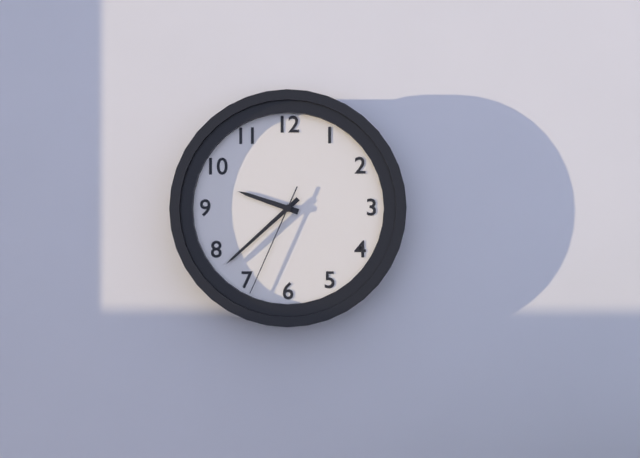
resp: 9h38m34s
